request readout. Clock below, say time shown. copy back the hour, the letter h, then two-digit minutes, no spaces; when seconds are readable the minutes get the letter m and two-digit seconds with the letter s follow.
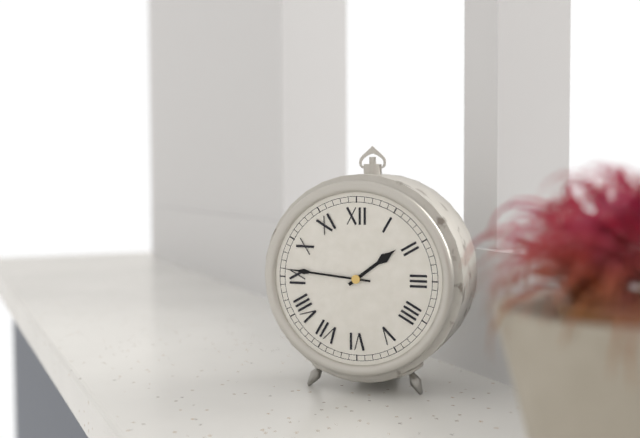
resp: 1h46
